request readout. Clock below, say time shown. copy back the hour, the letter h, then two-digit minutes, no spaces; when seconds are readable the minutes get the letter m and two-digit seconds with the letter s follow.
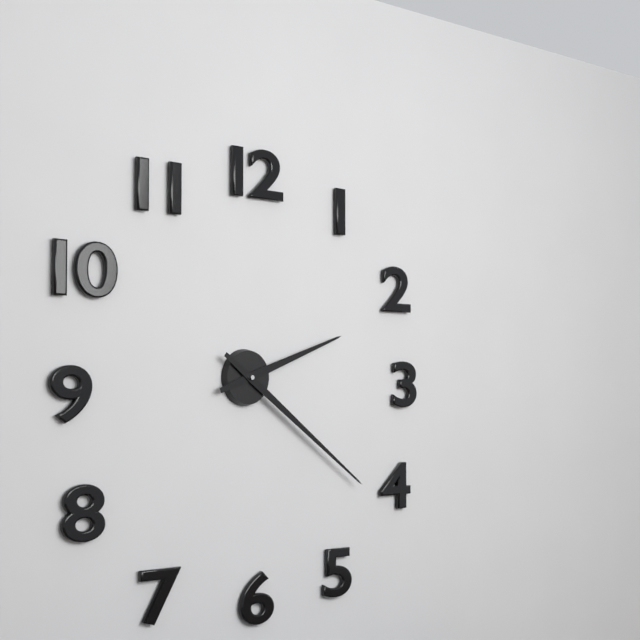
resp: 2h21
